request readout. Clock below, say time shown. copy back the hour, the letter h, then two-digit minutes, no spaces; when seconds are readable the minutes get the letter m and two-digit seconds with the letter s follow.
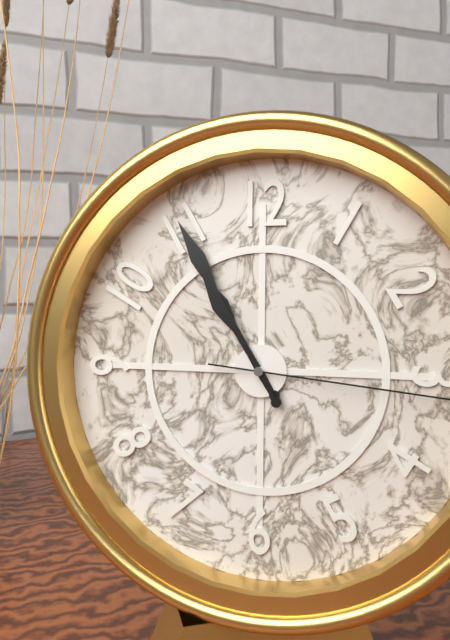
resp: 10h55
